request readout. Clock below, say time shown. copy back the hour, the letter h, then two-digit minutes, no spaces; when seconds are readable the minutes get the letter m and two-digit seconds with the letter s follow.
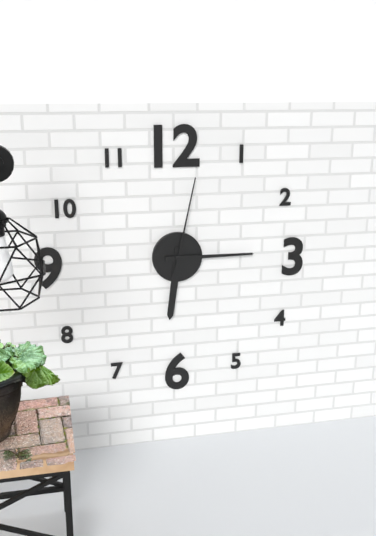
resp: 6h15m02s
